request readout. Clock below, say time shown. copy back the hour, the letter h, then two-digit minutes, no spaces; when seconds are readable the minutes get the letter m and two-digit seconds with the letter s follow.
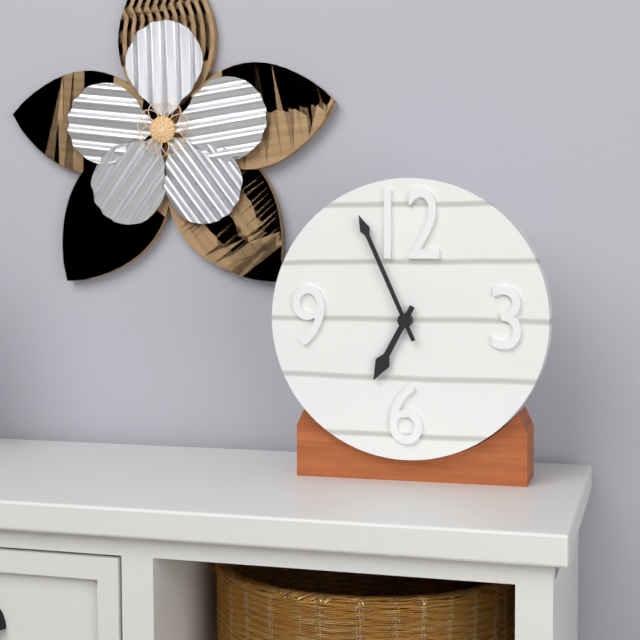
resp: 6h56
